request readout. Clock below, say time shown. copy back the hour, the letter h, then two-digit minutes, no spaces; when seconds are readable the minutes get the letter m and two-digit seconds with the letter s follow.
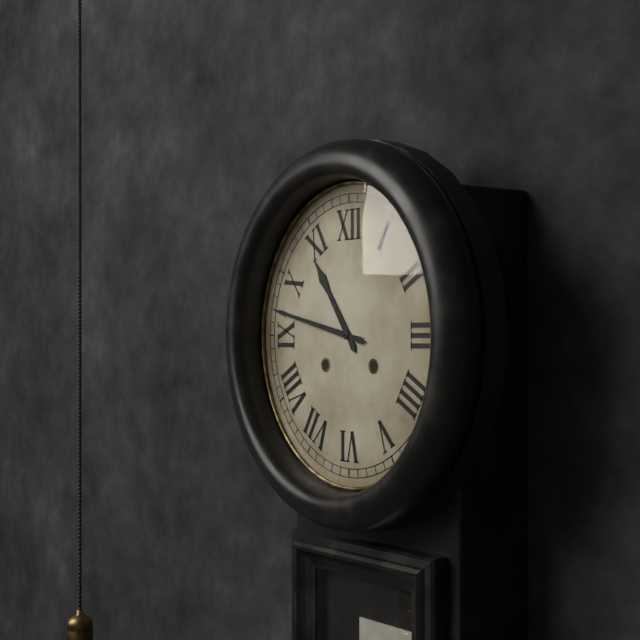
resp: 10h47
